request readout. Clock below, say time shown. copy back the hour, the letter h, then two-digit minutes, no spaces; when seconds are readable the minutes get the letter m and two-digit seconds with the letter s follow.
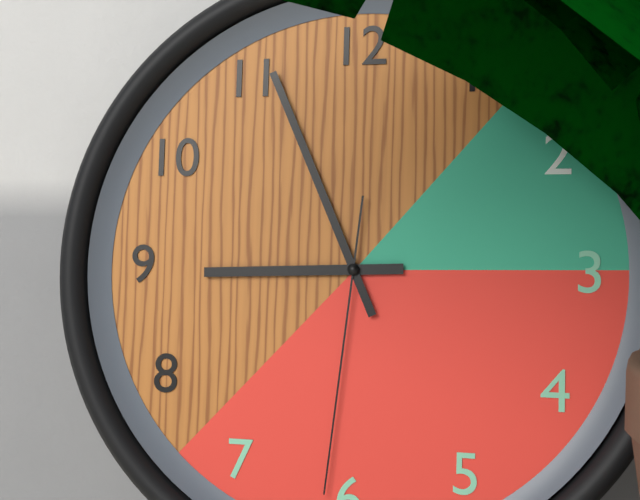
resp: 8h56m31s
